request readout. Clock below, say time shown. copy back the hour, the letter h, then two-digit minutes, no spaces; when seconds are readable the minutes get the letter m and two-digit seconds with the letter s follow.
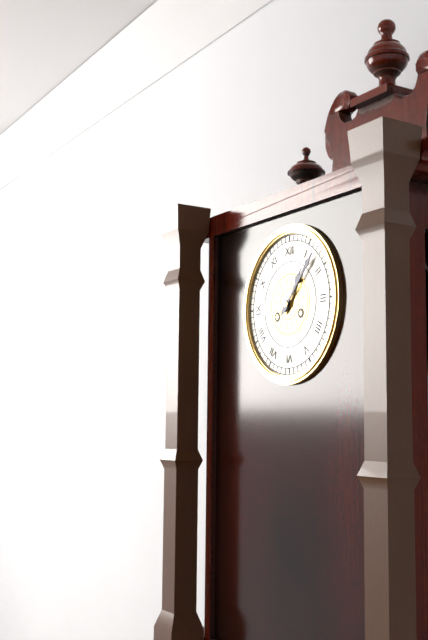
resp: 1h07
